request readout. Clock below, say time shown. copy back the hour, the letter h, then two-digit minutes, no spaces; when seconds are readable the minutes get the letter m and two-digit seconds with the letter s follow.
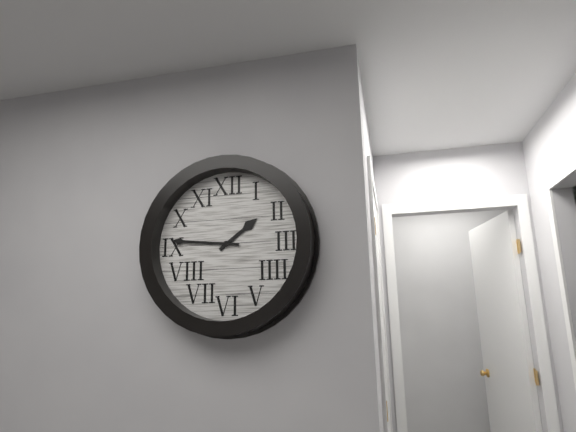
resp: 1h46
